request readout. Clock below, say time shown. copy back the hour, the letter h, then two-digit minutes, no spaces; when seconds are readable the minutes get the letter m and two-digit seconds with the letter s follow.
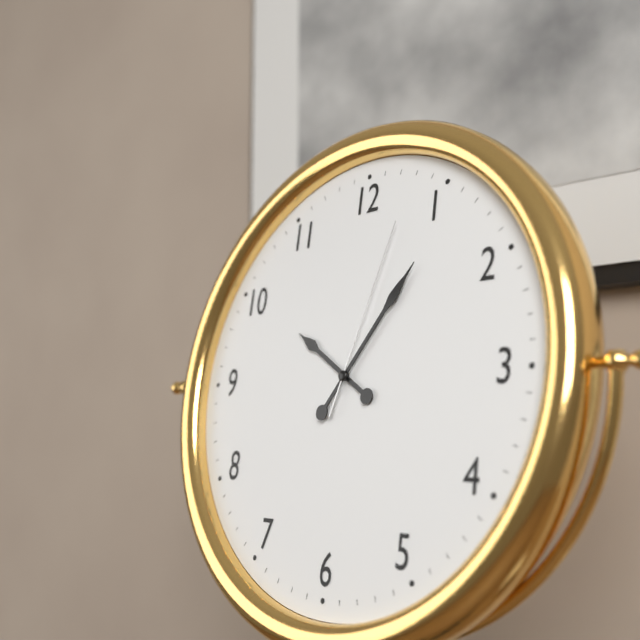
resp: 10h06m03s
